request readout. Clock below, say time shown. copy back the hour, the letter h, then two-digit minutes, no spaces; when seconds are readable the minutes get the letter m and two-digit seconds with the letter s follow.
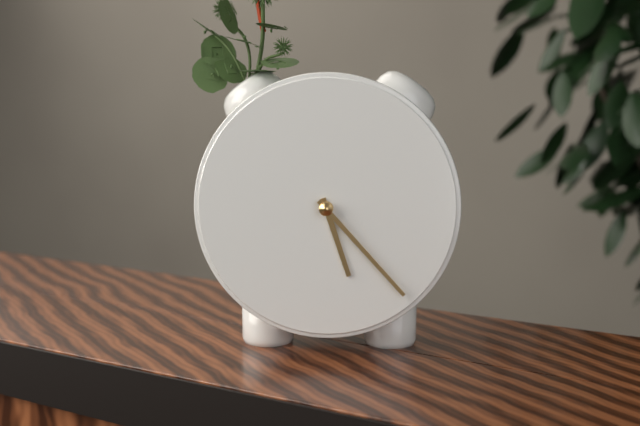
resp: 5h23
